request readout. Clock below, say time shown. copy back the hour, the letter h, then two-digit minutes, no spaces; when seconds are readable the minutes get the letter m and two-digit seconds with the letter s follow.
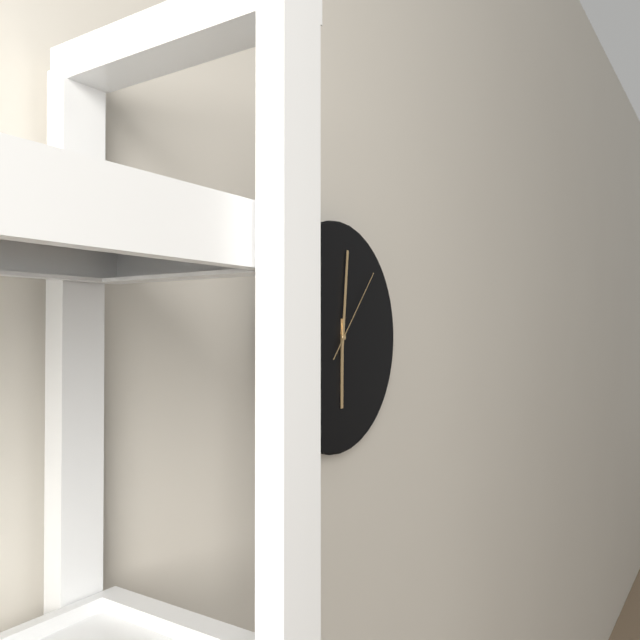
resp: 6h01m07s
